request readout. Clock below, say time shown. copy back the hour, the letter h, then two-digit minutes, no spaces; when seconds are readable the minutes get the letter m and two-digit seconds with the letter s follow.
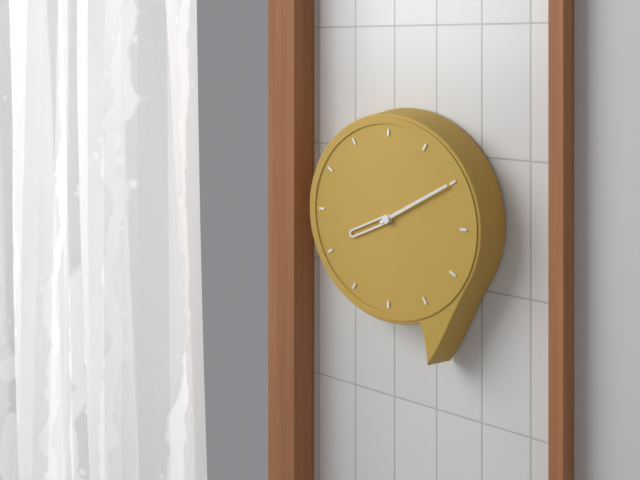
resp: 8h10
